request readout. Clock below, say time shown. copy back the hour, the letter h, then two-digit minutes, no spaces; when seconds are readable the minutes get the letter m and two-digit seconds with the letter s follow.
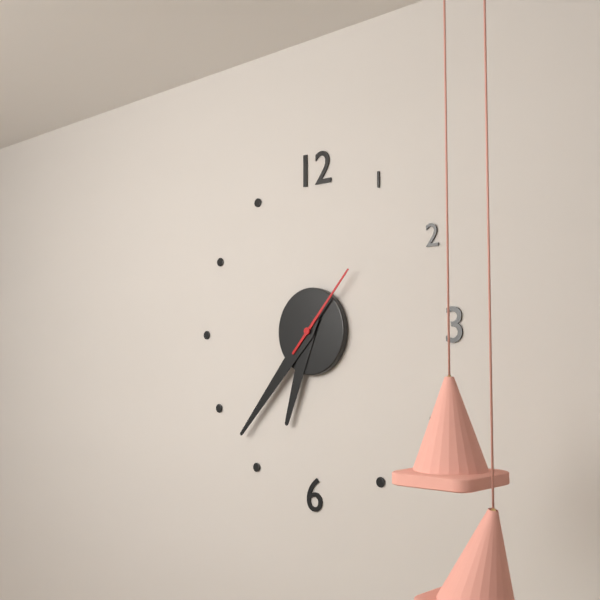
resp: 6h37m07s
